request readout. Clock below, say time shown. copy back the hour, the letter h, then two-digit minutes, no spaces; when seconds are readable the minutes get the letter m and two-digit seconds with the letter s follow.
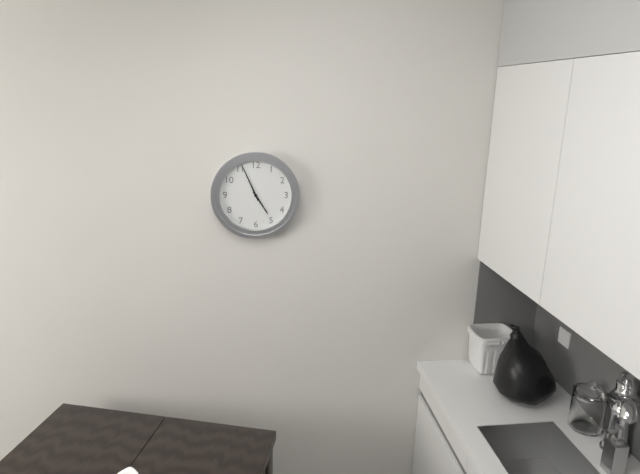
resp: 4h56
